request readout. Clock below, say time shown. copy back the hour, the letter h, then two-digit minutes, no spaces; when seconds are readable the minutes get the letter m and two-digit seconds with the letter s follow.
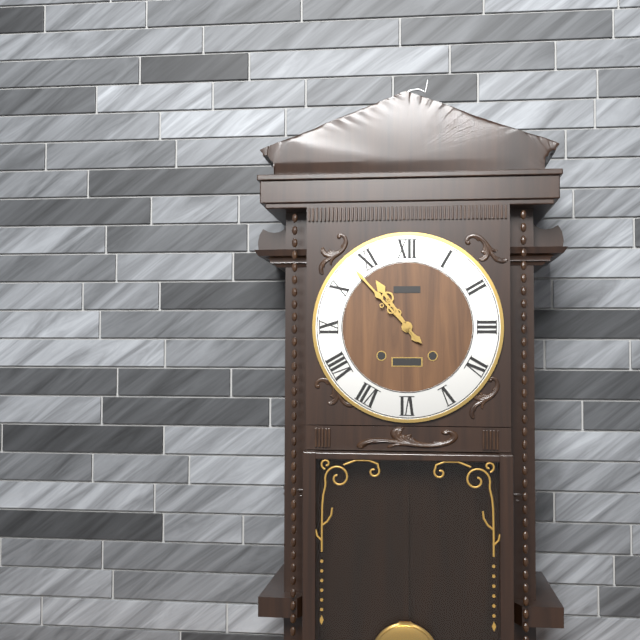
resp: 10h53
